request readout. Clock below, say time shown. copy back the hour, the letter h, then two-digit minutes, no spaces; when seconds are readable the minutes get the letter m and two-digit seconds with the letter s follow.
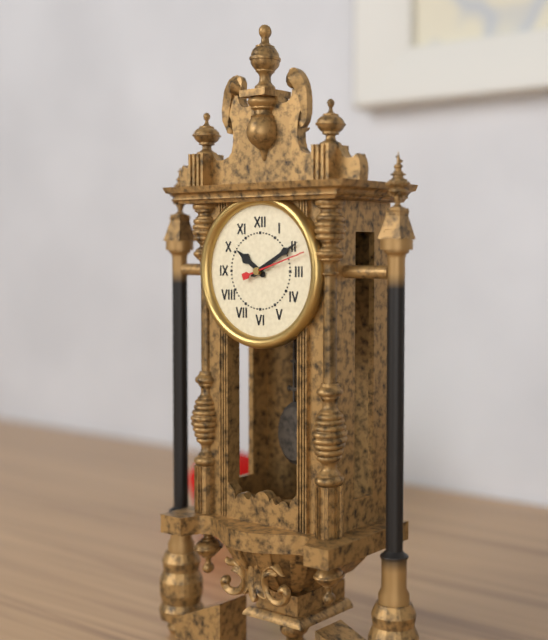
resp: 10h10m12s
